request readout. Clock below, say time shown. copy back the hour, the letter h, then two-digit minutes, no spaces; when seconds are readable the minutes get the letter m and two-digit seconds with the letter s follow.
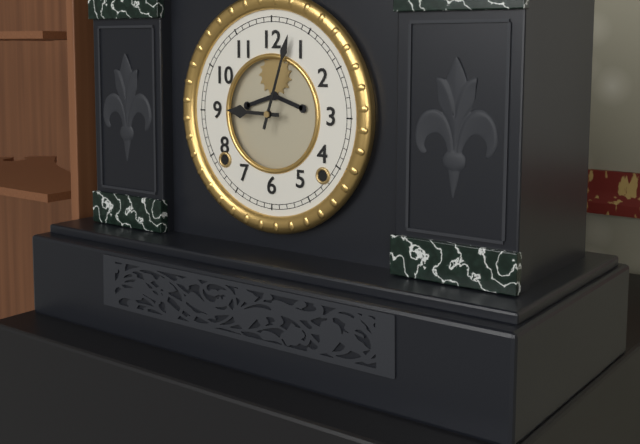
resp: 9h03
